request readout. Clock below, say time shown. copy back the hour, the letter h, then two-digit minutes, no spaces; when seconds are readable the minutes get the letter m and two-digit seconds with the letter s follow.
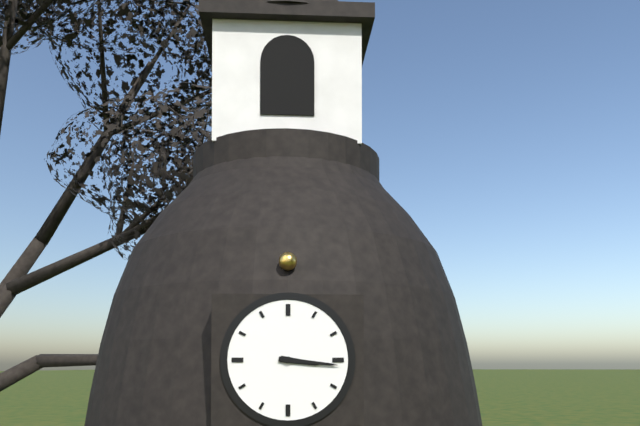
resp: 3h16
